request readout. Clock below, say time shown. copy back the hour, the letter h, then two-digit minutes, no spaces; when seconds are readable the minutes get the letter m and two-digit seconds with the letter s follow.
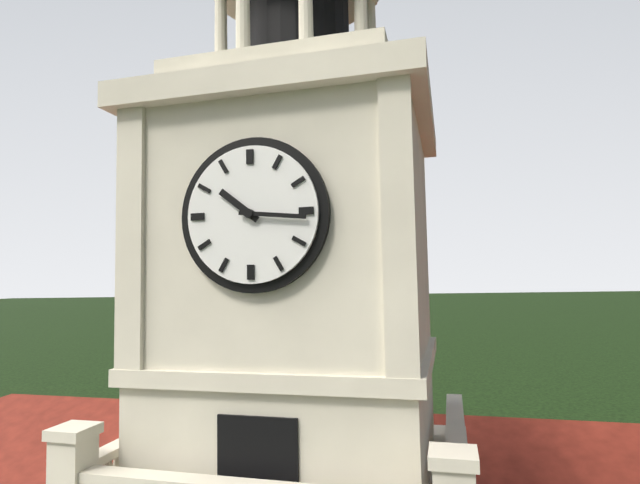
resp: 10h16
